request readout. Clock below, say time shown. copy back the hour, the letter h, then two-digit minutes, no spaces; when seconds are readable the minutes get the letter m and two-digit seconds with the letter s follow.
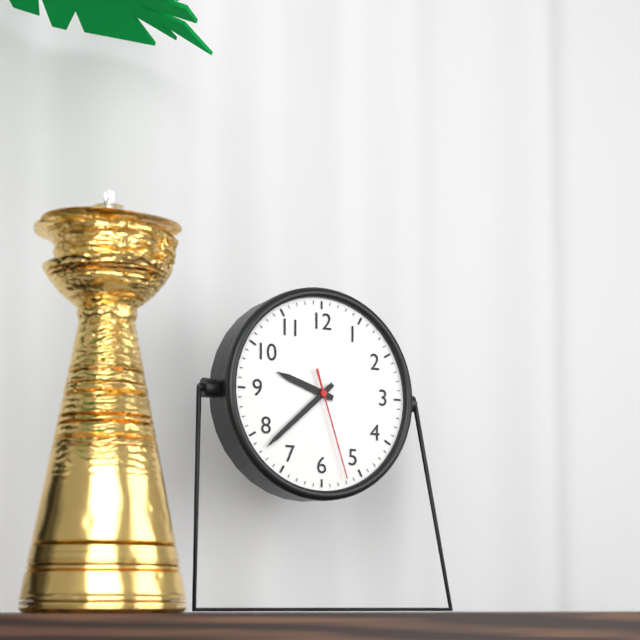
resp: 9h38m27s
